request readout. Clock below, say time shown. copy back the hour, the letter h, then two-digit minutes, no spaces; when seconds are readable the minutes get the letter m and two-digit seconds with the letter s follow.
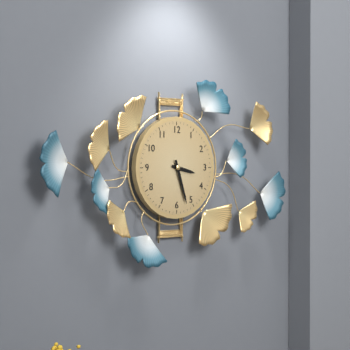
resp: 3h27
